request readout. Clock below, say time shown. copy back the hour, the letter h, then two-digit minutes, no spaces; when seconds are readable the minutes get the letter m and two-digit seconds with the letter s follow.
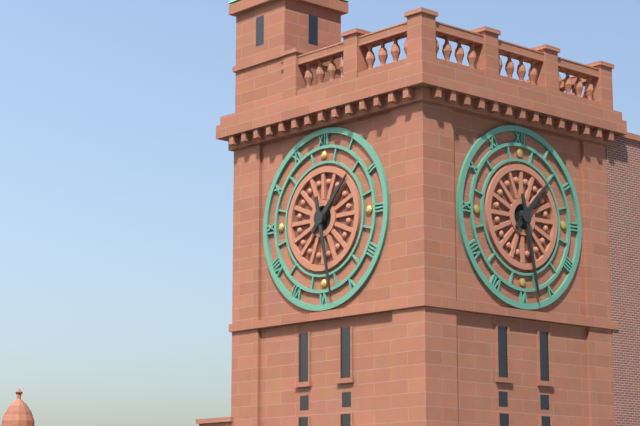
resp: 1h28
